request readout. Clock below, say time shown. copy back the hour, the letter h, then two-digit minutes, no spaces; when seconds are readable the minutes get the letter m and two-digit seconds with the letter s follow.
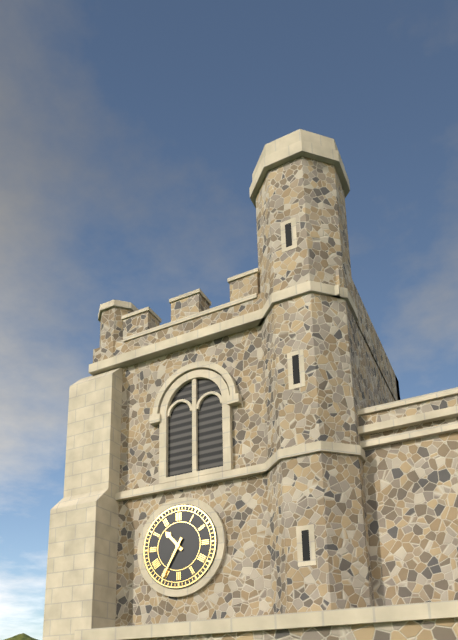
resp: 10h35
